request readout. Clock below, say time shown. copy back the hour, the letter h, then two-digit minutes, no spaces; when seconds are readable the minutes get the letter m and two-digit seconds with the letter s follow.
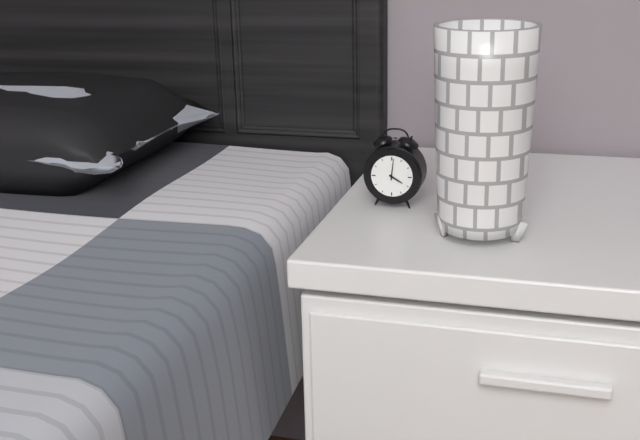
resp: 4h01
